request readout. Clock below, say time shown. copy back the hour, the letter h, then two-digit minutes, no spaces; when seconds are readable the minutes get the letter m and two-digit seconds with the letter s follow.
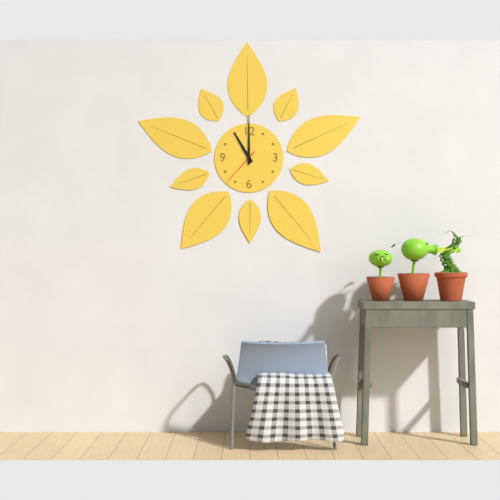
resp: 11h00
